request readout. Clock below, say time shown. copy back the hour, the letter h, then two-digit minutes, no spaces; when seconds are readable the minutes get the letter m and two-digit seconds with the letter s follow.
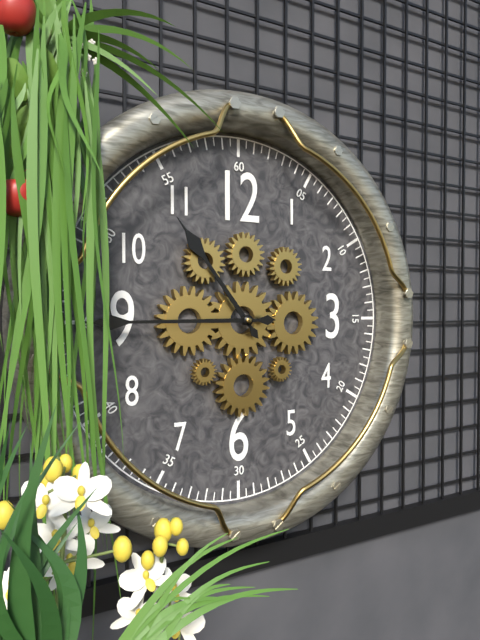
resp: 10h45
